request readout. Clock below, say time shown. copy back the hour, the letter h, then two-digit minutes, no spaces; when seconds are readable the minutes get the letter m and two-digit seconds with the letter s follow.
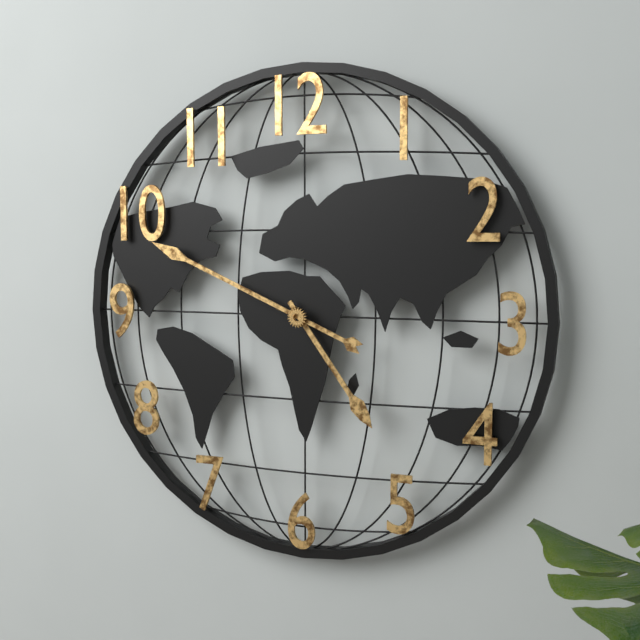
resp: 4h49
